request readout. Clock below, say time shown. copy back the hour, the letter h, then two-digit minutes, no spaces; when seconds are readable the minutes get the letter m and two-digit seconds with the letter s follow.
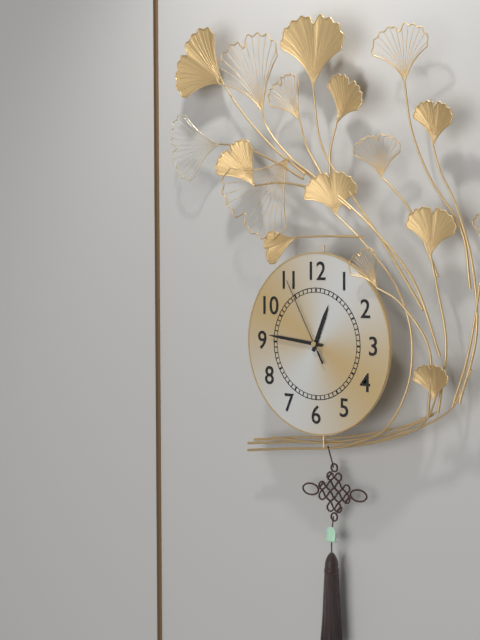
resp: 12h46m55s
